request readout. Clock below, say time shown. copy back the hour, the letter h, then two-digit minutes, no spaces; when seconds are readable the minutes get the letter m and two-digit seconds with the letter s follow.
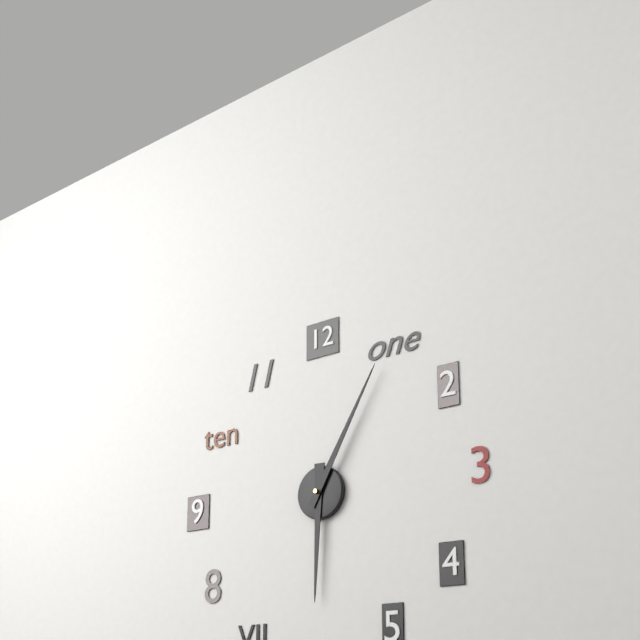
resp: 6h05
